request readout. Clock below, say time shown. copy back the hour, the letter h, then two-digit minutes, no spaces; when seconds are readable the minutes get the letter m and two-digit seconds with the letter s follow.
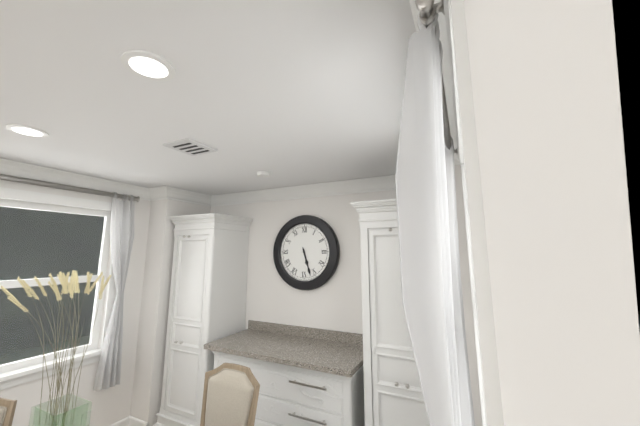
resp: 5h27
